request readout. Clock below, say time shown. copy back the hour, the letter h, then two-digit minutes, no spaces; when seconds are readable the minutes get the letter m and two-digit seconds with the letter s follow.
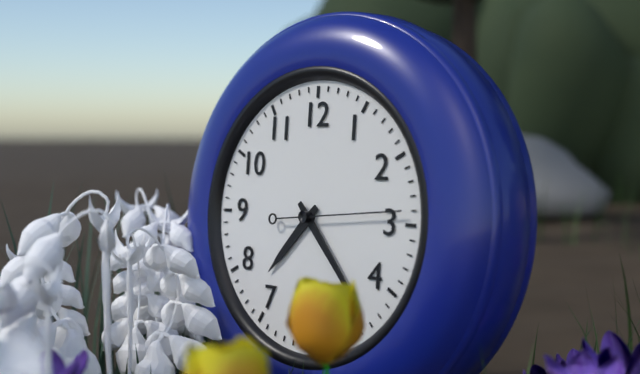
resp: 7h23m14s
